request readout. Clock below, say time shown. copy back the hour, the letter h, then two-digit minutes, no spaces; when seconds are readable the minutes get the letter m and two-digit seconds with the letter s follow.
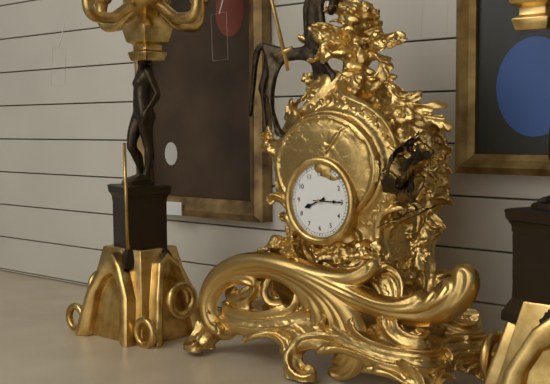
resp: 8h15
